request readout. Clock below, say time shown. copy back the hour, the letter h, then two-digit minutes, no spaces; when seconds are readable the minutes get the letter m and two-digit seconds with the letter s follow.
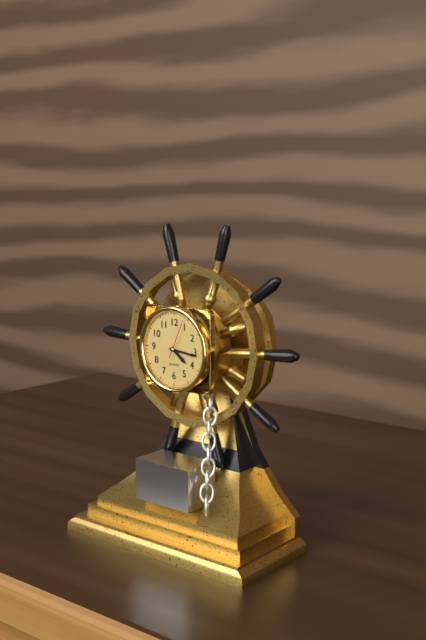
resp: 4h16
